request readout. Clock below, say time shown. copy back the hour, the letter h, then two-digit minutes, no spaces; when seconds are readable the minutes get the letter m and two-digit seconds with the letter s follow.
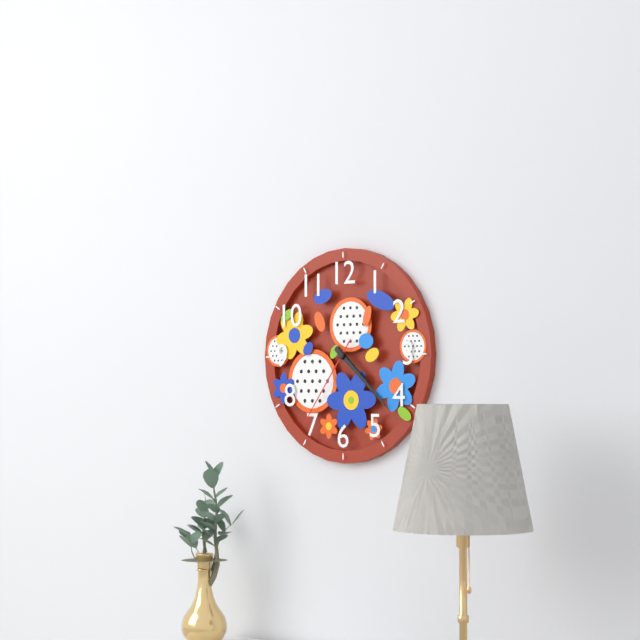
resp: 4h22m36s
